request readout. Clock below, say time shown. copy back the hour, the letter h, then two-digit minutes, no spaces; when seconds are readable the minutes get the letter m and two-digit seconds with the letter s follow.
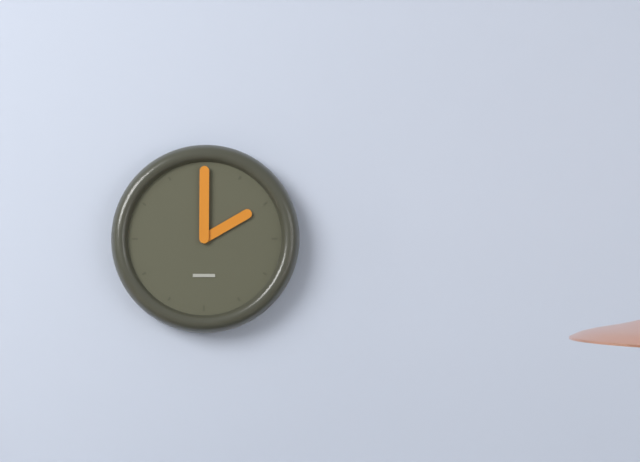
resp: 2h00
